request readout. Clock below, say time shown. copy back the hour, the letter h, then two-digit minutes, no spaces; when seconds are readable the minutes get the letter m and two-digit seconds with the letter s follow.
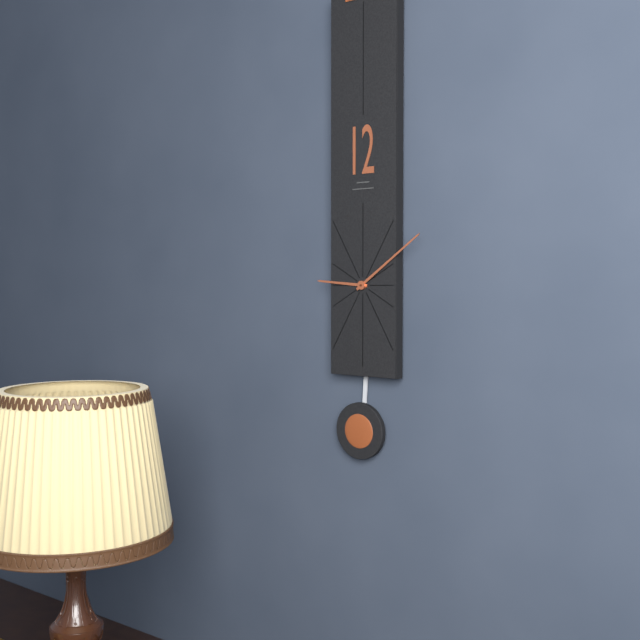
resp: 9h09
